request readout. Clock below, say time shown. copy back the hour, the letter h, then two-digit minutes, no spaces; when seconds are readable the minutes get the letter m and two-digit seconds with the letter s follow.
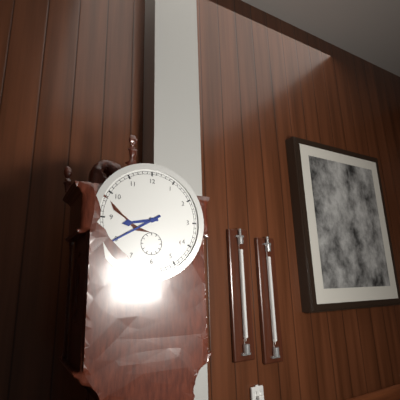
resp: 8h40
